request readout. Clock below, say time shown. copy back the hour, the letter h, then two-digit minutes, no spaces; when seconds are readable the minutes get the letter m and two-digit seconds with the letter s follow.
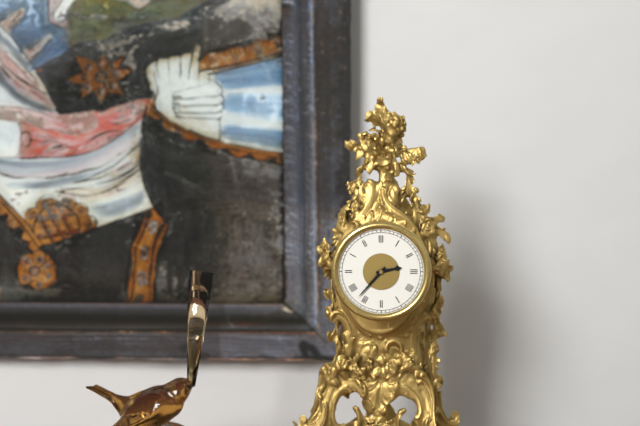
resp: 2h37
